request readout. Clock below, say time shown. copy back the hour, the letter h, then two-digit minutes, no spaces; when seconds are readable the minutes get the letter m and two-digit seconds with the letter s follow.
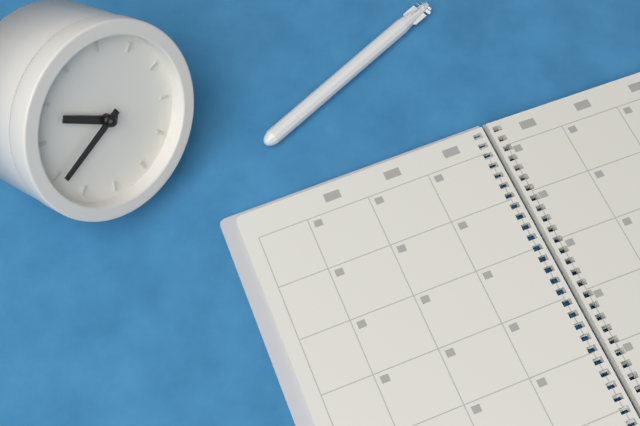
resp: 9h39
